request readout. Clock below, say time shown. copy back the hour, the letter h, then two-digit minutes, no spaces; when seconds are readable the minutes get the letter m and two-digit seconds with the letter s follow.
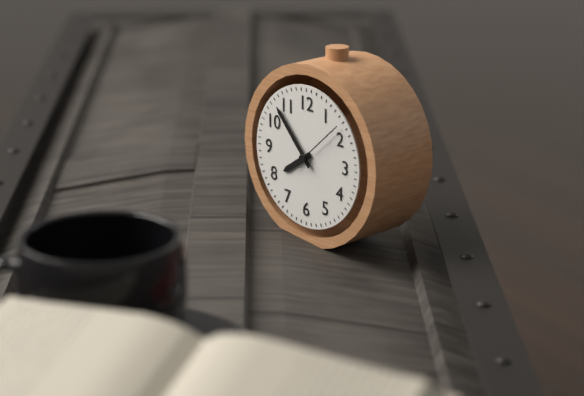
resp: 7h53m08s
